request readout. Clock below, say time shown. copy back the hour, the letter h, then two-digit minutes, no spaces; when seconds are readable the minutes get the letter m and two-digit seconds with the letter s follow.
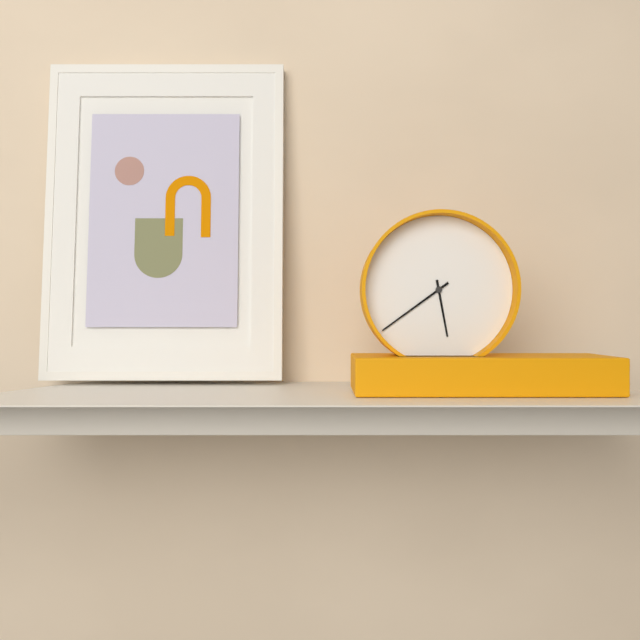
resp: 5h39
